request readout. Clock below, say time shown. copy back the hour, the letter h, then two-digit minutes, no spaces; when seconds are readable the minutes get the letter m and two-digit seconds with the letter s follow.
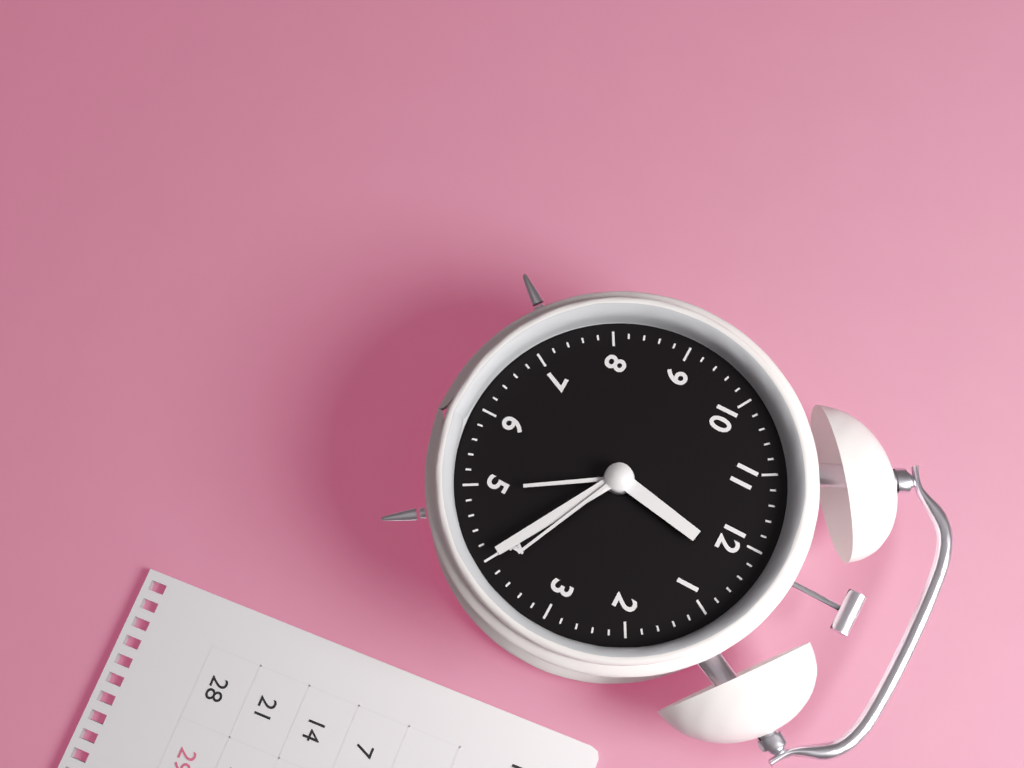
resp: 12h20m19s
